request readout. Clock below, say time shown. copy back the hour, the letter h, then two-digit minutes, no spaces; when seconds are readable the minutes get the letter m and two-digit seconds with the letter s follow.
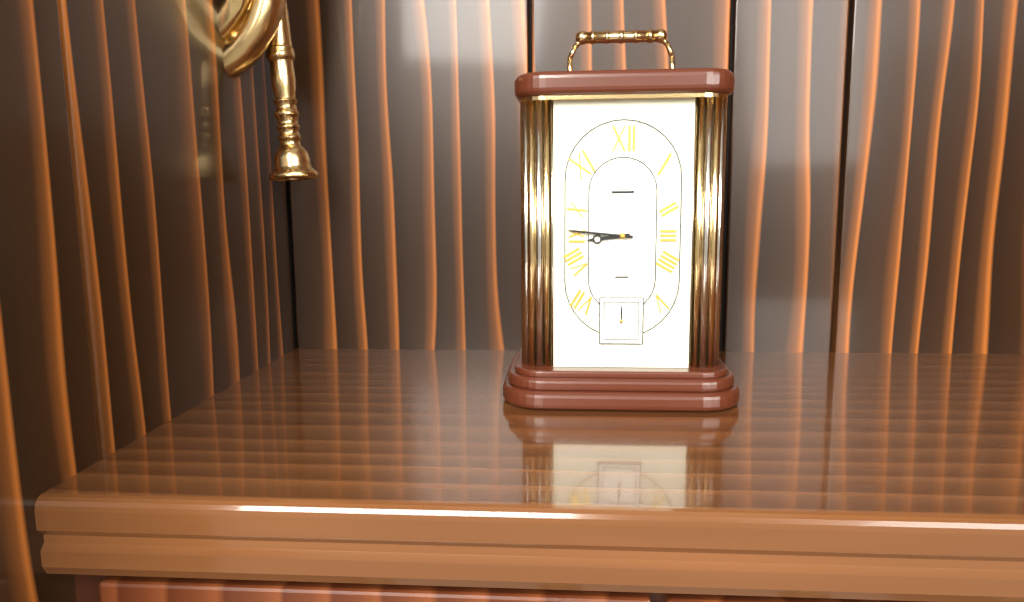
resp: 8h46
